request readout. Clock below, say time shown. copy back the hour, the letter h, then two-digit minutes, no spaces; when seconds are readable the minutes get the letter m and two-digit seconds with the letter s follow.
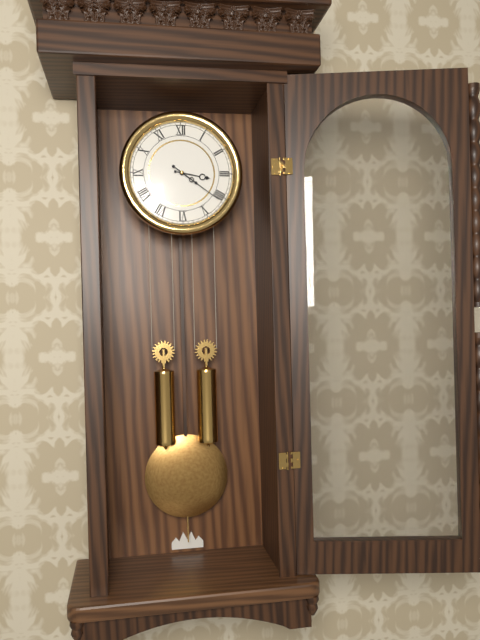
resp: 3h21
